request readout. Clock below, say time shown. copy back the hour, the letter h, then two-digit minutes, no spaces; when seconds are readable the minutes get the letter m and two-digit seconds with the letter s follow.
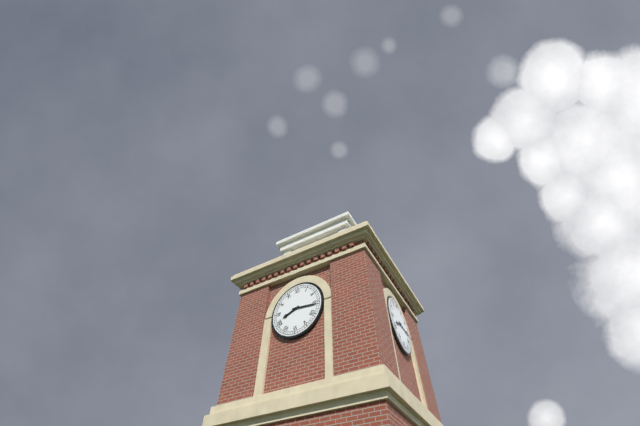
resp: 8h16
